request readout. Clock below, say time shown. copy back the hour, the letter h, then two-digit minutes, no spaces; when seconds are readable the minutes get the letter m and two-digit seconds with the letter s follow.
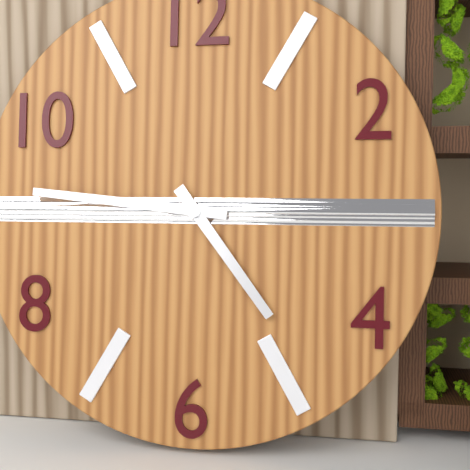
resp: 4h46
